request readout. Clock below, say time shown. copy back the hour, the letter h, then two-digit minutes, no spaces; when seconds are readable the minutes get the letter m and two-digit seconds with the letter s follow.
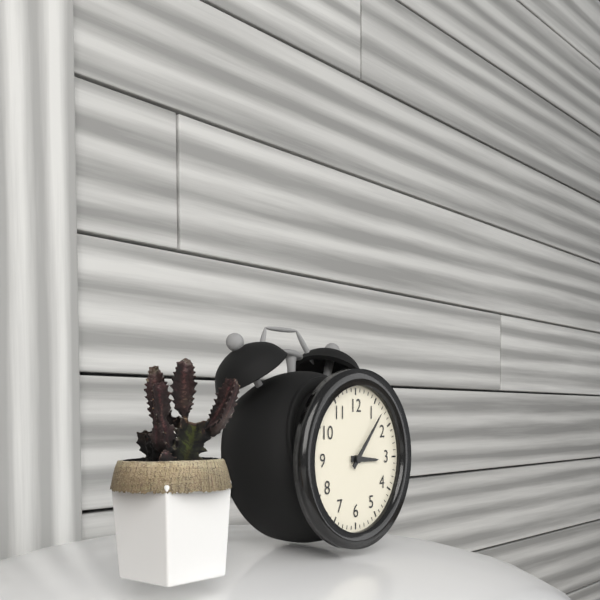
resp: 3h07
